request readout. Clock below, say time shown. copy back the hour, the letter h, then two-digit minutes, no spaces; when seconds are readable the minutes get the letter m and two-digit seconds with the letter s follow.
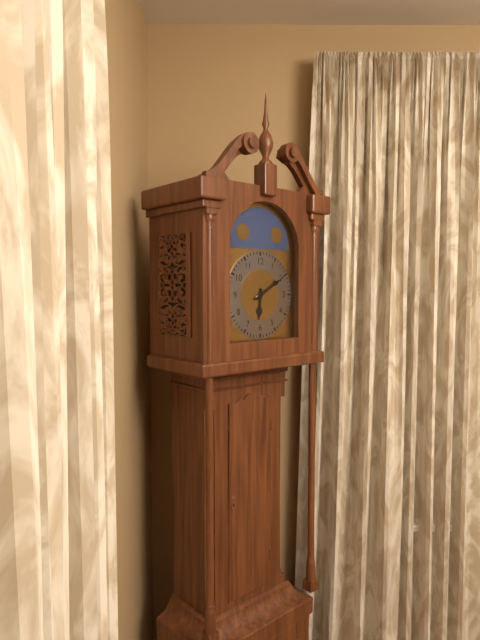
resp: 6h10
